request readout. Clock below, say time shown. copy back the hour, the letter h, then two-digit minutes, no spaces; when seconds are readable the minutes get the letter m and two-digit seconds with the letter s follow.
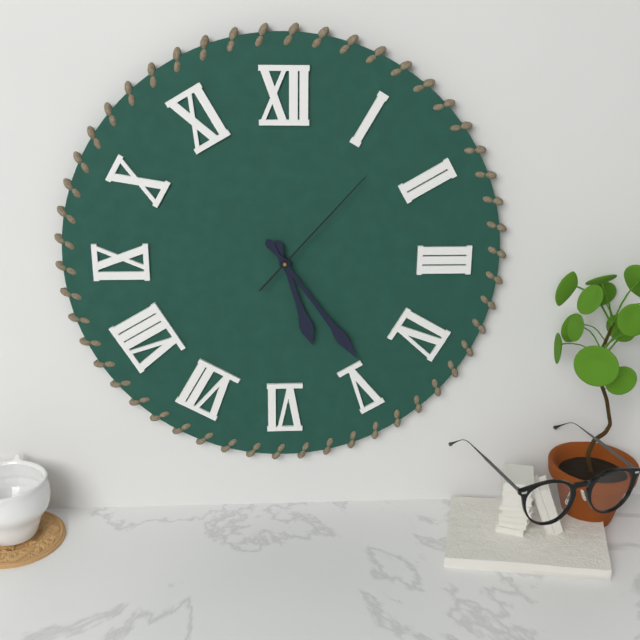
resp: 5h24m07s
